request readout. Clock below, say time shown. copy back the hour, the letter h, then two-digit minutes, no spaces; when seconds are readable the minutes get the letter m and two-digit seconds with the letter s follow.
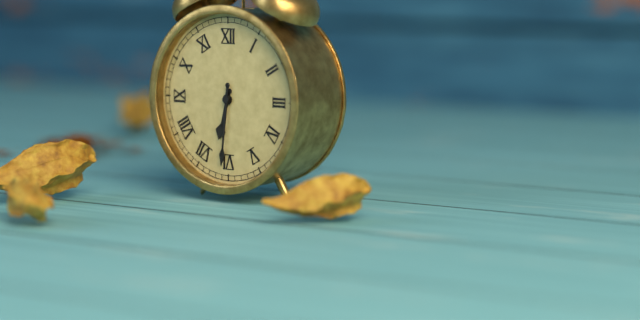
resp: 6h31
